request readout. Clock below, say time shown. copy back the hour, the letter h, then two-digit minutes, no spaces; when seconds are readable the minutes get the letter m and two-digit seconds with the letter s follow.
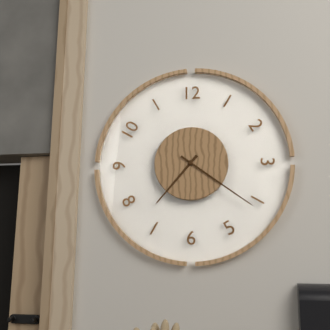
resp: 7h21
